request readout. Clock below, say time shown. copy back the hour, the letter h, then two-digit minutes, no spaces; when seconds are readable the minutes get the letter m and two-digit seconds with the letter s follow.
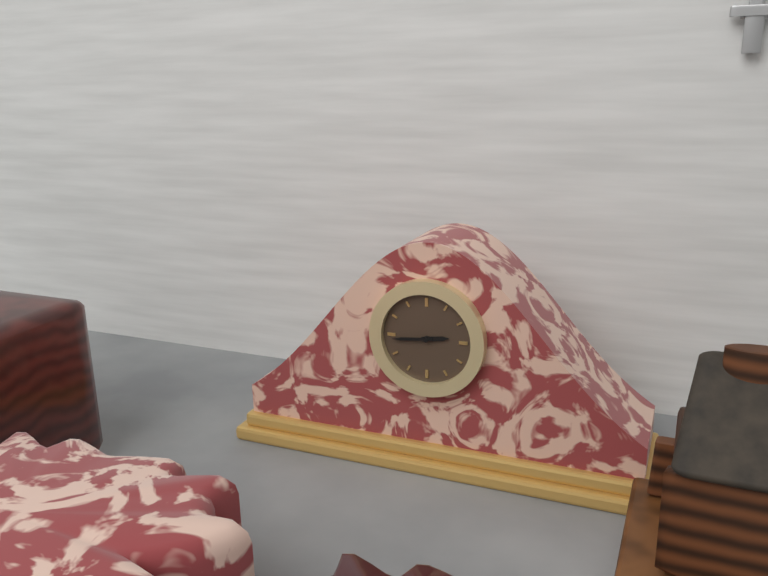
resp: 2h44
